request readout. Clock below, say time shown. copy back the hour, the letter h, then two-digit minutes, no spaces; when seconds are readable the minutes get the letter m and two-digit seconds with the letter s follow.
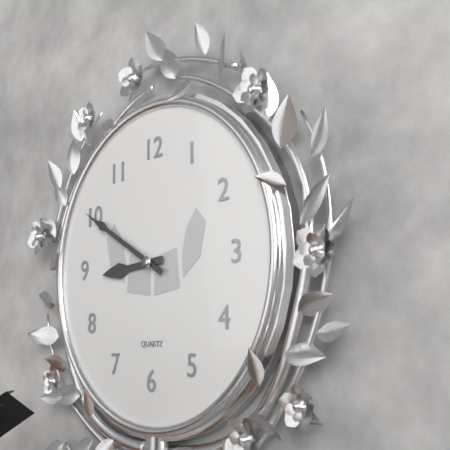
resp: 8h50
